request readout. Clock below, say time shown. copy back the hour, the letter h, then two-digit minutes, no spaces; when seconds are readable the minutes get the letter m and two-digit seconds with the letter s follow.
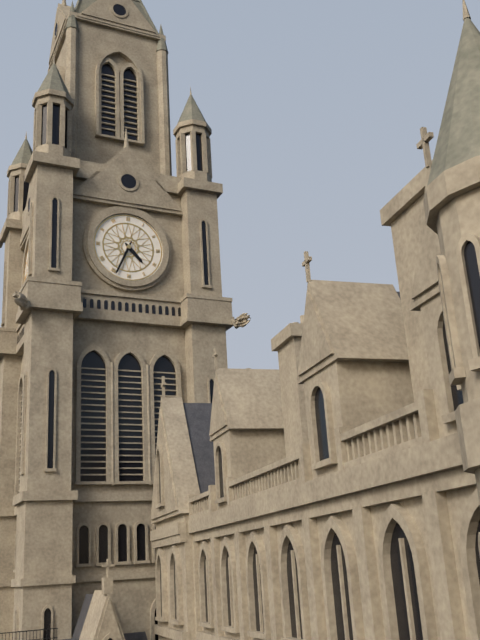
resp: 4h34
